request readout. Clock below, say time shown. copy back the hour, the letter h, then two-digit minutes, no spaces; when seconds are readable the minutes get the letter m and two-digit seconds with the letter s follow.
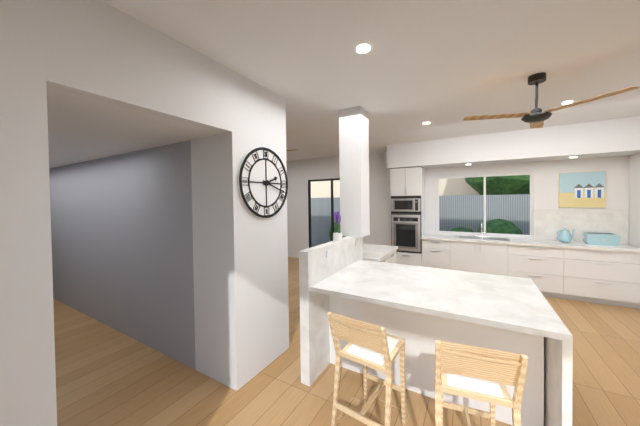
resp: 2h18
